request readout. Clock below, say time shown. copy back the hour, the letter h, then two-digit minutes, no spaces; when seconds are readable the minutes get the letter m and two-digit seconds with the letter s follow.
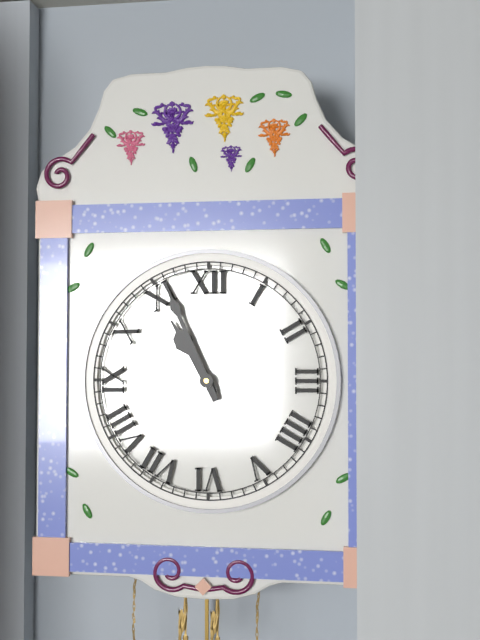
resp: 10h56
